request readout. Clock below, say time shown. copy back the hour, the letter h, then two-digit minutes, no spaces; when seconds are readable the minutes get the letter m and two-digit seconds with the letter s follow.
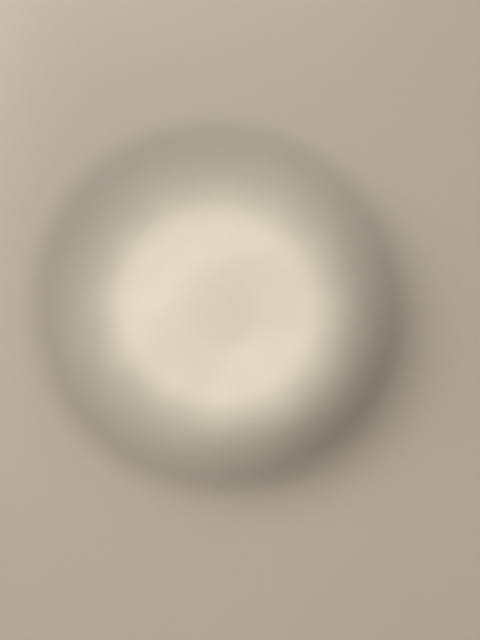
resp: 2h36
